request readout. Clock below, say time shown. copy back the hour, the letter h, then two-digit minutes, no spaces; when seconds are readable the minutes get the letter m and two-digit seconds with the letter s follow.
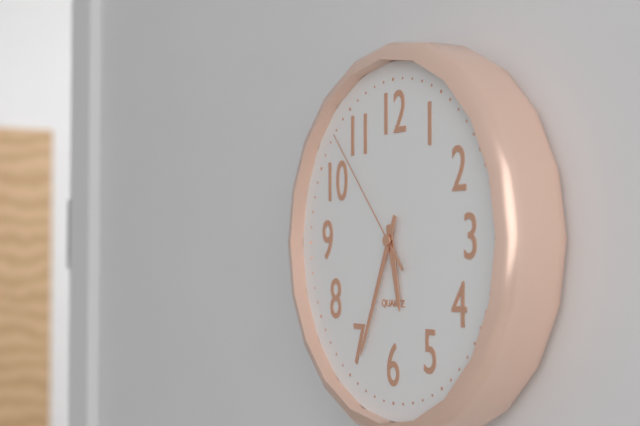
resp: 5h34m53s
